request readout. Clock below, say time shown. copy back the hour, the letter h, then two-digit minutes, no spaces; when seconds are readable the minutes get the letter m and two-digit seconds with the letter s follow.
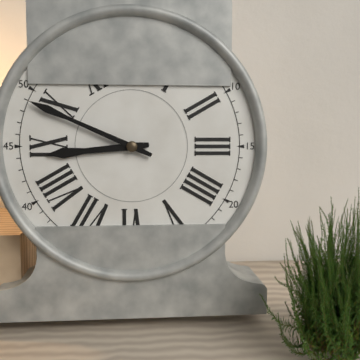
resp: 8h49
